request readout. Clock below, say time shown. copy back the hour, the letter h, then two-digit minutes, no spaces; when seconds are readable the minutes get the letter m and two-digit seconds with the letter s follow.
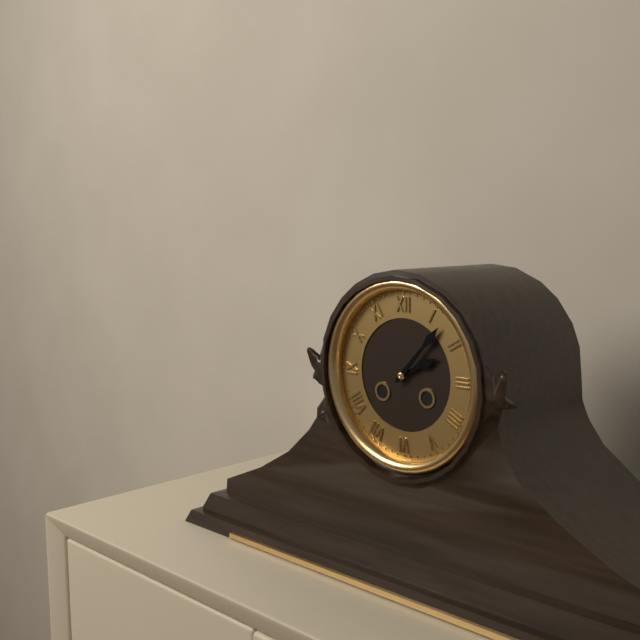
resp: 2h07
